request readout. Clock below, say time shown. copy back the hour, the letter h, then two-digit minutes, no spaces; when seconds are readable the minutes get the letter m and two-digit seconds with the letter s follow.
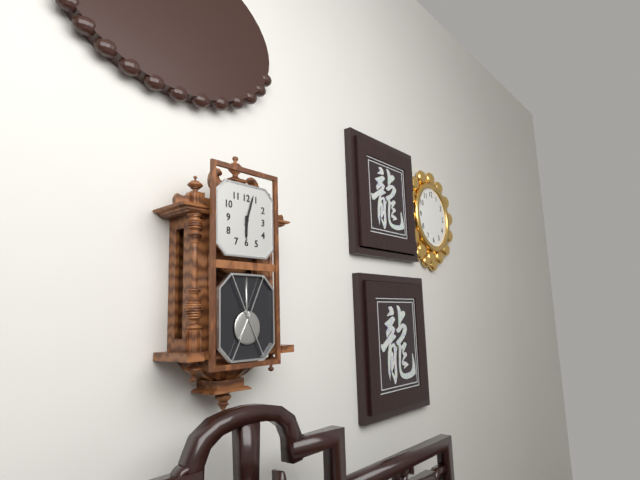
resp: 6h03
